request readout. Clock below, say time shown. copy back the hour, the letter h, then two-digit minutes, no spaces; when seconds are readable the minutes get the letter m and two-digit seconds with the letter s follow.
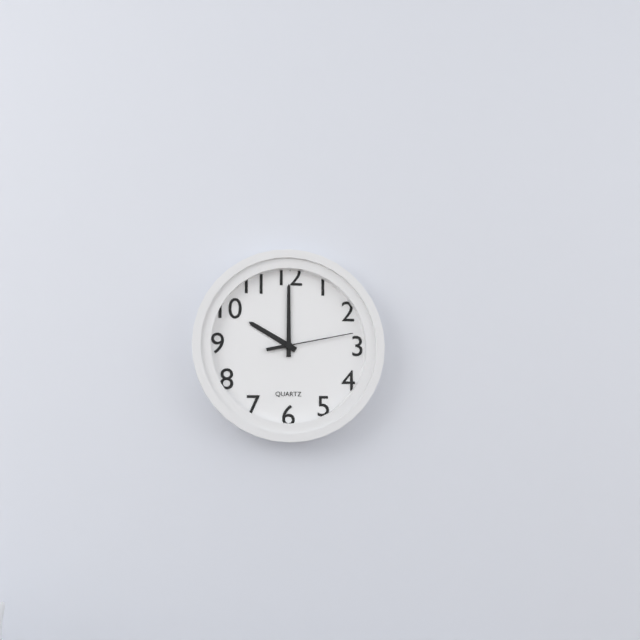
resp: 10h00m13s
